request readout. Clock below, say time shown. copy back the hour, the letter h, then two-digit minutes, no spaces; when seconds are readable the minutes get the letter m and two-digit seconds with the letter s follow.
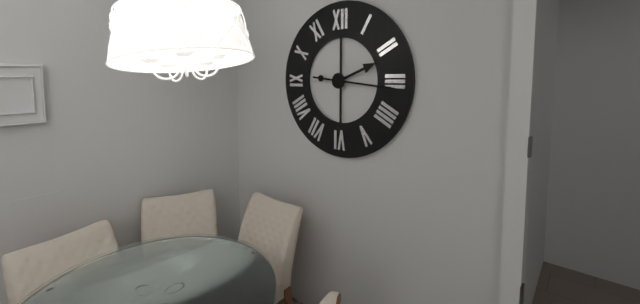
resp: 2h16
